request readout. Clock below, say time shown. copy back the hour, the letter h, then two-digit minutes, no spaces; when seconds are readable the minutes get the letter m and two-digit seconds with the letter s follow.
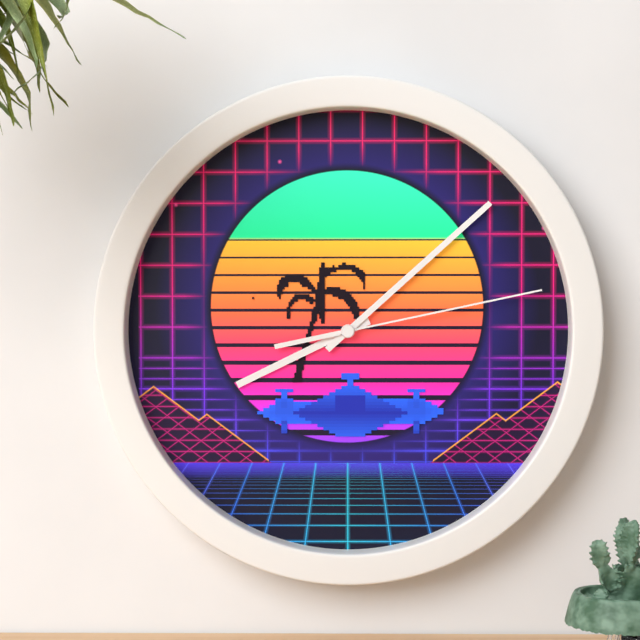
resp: 8h08m13s
